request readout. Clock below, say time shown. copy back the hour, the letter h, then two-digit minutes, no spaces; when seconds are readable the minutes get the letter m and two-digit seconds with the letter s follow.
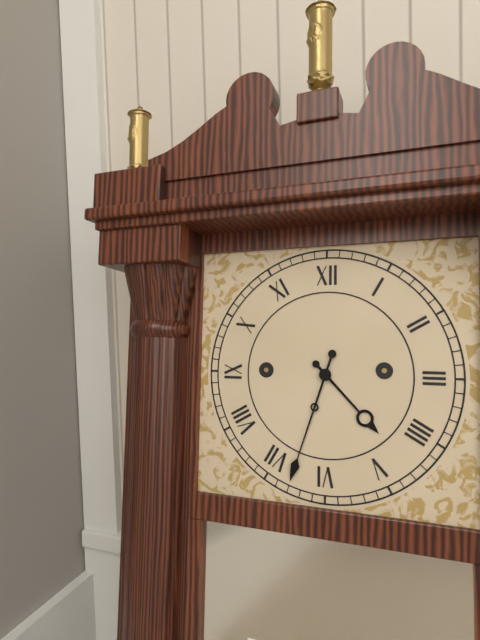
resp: 4h33
